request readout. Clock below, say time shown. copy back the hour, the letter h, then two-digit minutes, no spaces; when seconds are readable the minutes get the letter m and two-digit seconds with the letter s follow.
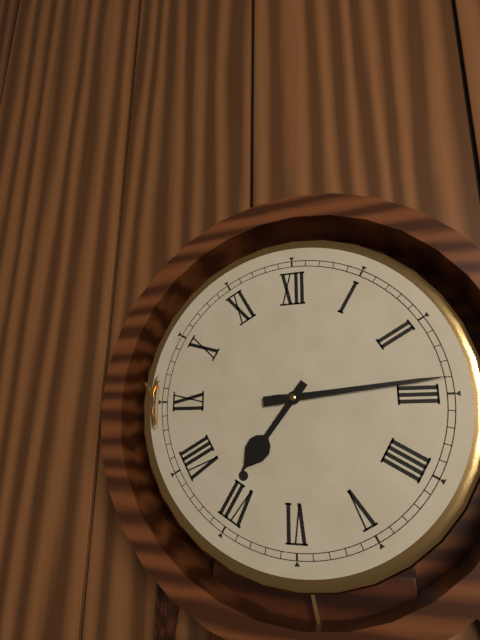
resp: 7h14
